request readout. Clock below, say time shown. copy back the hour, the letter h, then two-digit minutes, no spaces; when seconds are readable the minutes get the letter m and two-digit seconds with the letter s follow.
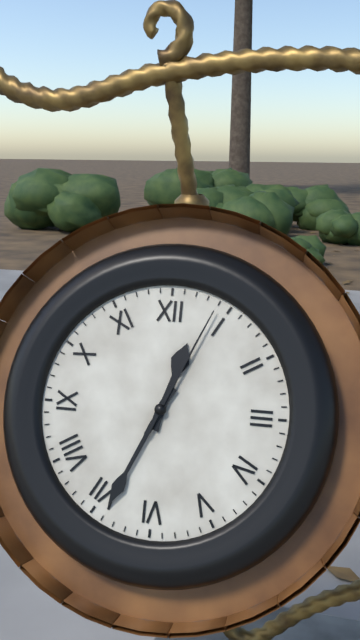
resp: 12h34m04s
